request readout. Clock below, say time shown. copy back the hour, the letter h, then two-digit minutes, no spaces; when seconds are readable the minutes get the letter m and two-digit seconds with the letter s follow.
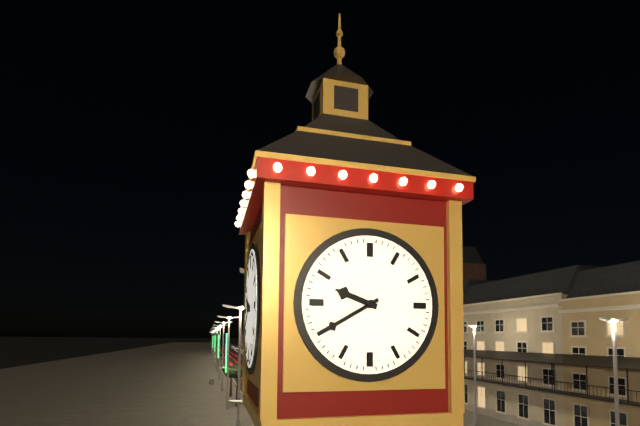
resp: 9h40
